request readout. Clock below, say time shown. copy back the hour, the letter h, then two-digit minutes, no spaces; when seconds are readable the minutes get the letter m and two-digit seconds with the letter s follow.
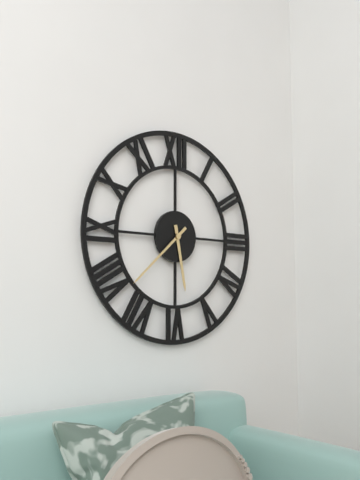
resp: 5h38
